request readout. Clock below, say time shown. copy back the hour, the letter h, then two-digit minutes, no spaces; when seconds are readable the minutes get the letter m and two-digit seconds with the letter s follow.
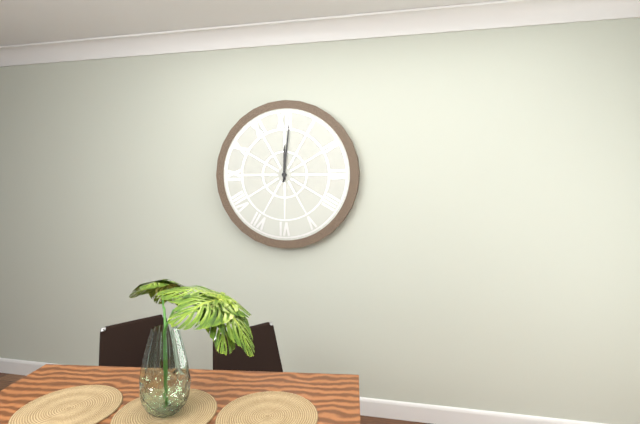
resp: 12h01
